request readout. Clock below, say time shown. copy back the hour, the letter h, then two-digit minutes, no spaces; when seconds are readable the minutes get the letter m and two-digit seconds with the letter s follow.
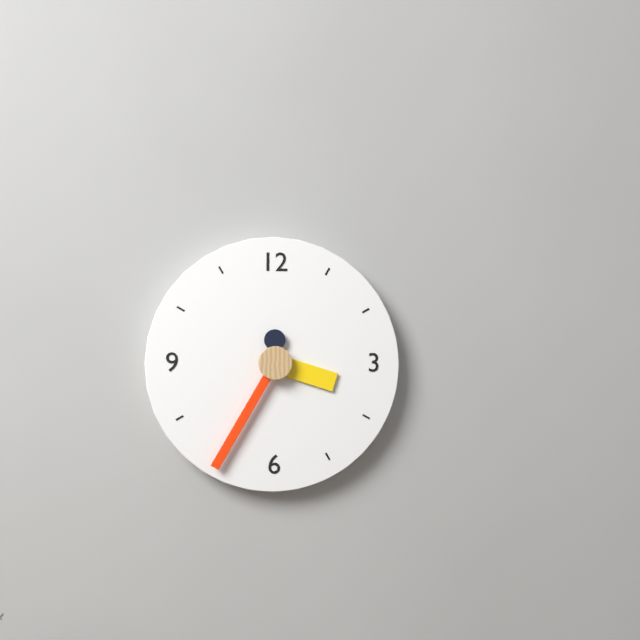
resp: 3h35
